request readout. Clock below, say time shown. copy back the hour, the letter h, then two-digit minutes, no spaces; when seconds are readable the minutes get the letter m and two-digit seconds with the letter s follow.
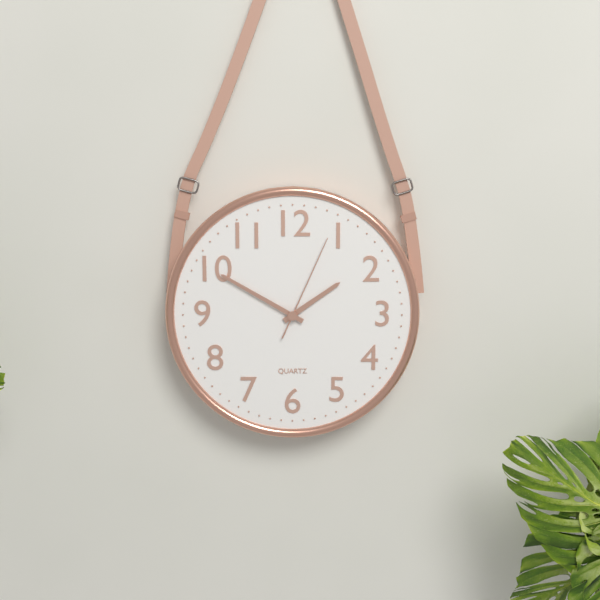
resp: 1h50m04s
